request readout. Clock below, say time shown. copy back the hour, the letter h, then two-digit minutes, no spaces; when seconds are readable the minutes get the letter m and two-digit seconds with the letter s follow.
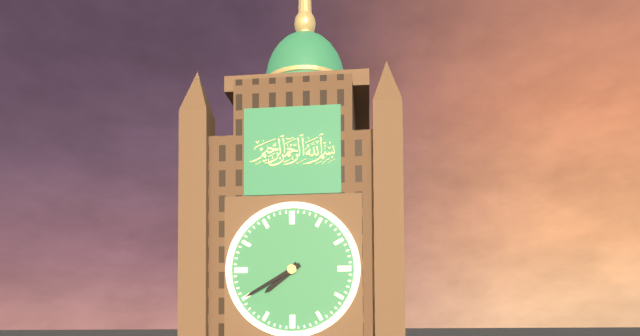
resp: 7h40
